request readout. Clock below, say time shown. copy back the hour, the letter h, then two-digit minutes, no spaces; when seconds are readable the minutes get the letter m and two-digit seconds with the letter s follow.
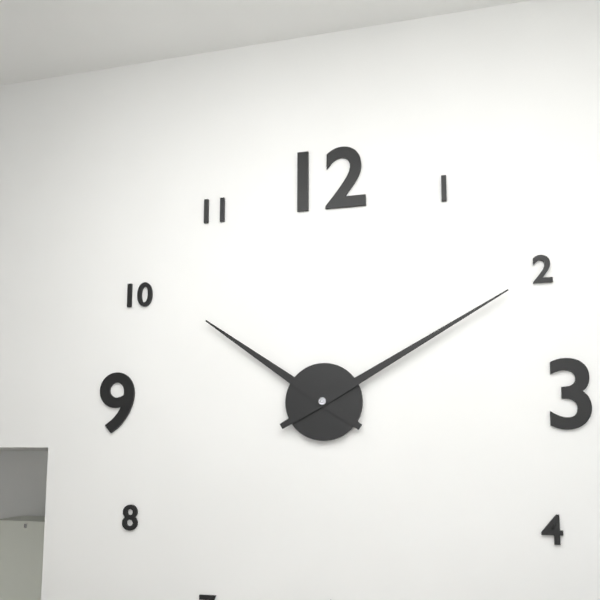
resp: 10h10
